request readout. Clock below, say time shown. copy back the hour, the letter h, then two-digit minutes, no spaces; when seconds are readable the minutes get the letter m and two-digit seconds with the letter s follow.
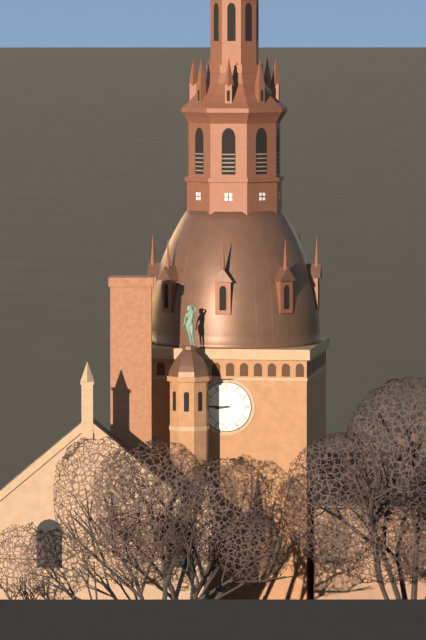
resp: 8h45
